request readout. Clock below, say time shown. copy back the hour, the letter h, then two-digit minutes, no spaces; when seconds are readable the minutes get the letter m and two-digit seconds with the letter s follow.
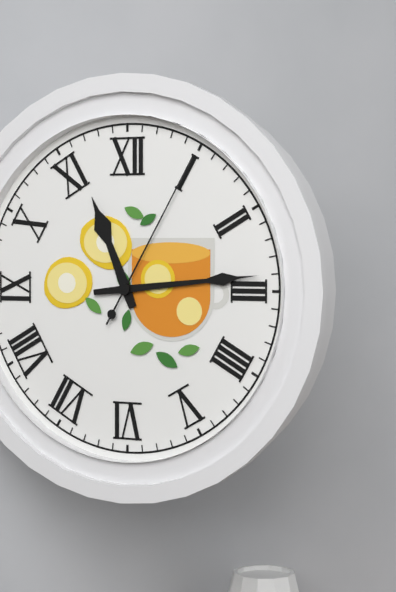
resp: 11h14m05s
